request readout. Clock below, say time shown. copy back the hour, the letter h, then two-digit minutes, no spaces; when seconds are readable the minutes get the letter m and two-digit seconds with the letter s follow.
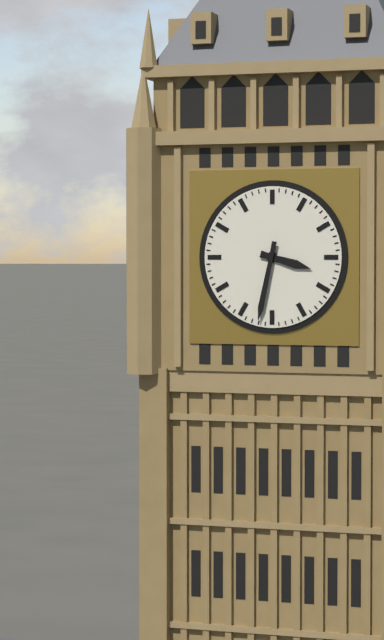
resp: 3h32
